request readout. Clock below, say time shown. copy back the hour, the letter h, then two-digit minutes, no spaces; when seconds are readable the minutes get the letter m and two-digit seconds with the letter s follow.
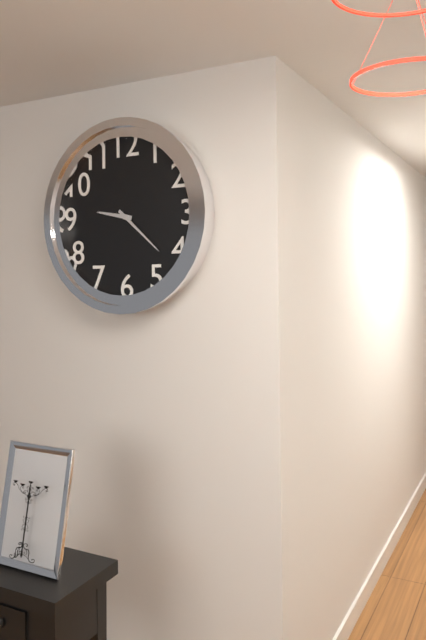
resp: 9h22
